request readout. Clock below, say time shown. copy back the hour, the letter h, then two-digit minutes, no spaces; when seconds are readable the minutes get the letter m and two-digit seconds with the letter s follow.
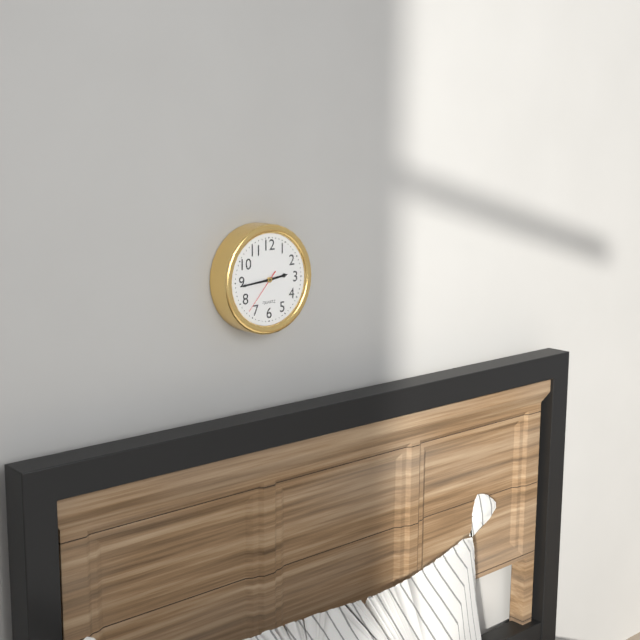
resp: 2h44
